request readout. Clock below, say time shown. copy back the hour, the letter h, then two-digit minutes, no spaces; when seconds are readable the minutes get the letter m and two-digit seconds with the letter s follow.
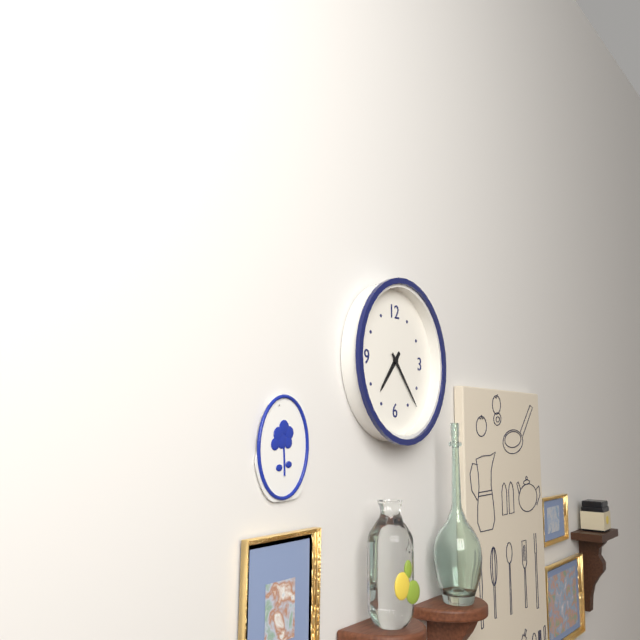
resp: 7h23
